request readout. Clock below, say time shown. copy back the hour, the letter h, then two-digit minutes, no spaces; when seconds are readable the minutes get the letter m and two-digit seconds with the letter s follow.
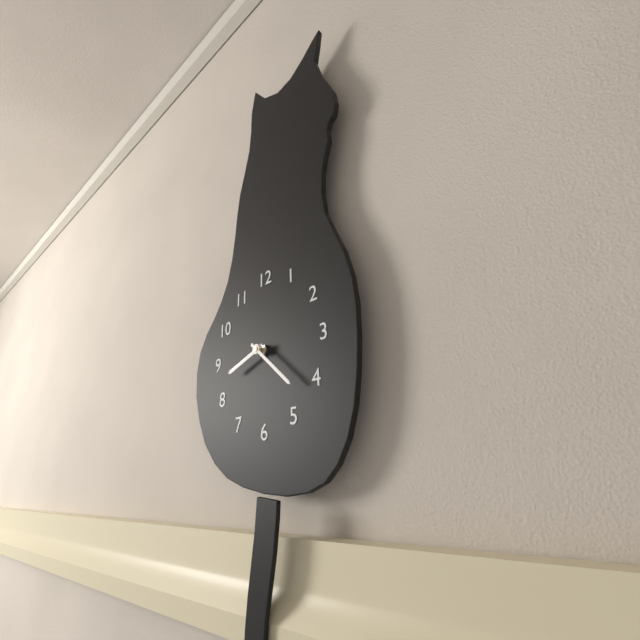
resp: 8h22
